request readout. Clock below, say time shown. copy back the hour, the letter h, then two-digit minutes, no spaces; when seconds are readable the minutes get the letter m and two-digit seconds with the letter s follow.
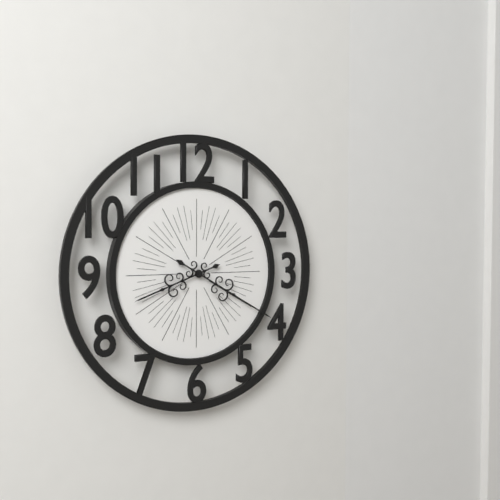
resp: 8h20
